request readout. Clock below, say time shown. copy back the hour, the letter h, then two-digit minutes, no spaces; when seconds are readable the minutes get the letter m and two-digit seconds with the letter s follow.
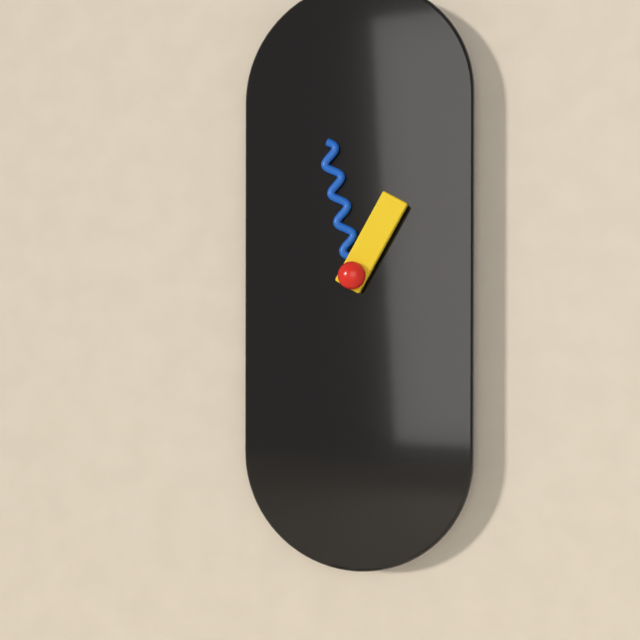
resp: 12h58
